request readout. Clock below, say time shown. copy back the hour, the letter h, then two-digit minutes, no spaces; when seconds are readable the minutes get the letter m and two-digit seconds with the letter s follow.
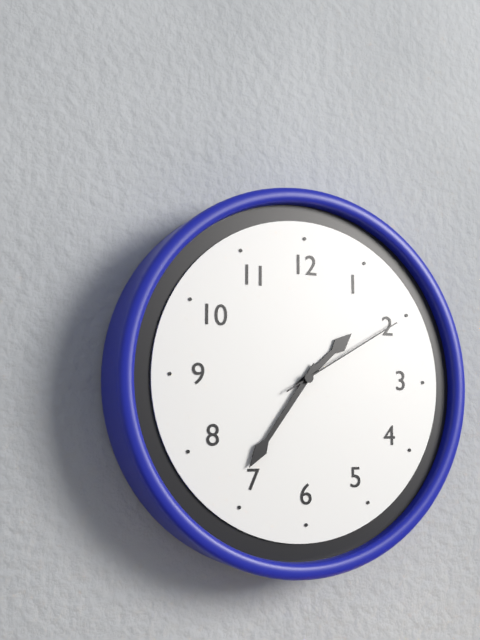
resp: 1h36m10s
